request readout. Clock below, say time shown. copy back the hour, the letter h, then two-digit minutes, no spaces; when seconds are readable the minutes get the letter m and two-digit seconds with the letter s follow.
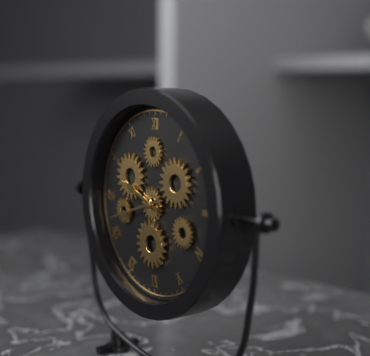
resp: 9h42
